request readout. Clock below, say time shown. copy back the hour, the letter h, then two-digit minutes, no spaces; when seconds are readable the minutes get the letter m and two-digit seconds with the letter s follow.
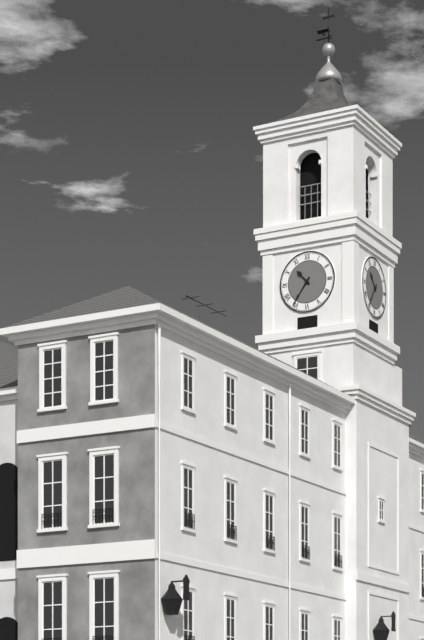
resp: 10h36
